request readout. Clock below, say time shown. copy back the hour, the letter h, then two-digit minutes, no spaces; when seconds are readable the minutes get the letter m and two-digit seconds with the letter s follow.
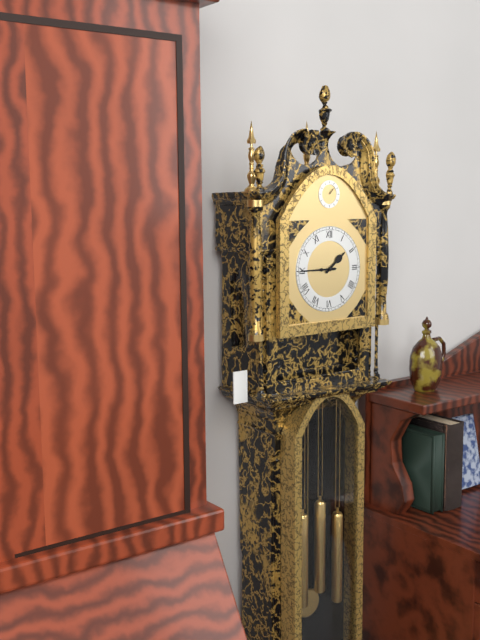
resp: 1h45
